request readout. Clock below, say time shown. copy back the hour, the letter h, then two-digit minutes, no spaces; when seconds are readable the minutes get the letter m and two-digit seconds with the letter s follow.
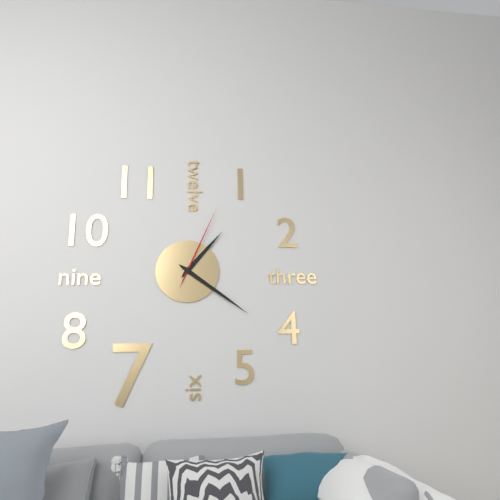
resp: 1h21m04s
